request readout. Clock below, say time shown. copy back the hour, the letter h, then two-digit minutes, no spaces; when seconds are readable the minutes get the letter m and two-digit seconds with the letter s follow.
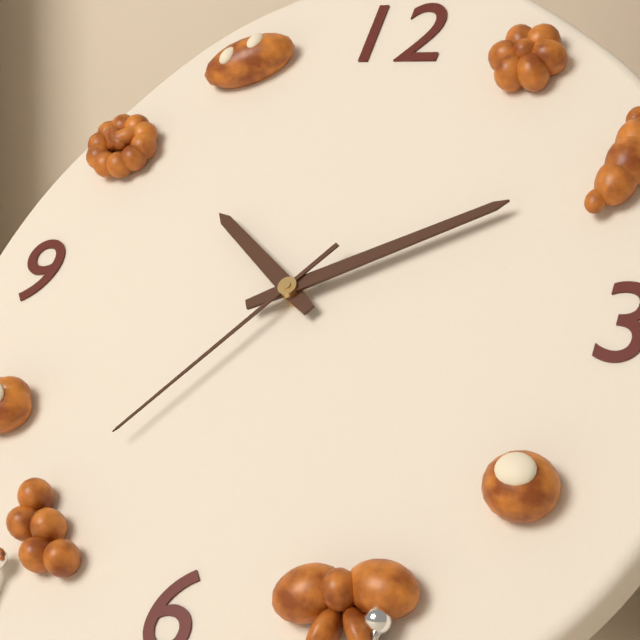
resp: 10h10m36s
